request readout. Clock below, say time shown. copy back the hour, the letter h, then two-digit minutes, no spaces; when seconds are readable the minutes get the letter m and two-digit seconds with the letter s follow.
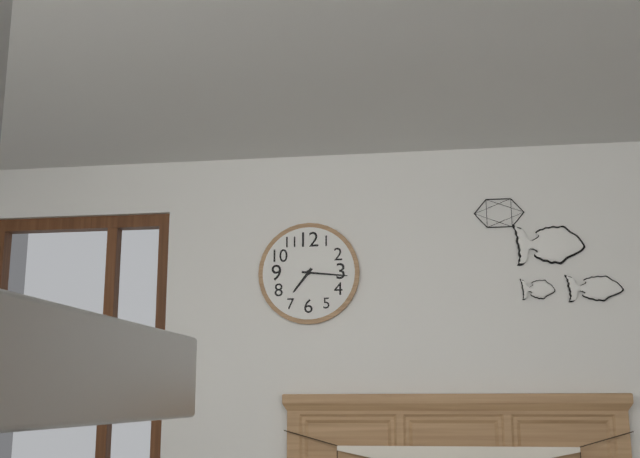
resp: 7h16
